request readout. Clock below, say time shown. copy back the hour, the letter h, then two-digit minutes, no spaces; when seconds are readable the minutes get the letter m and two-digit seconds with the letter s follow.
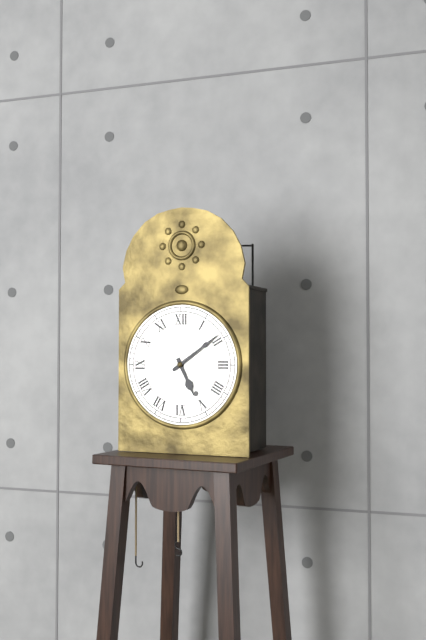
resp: 5h09
